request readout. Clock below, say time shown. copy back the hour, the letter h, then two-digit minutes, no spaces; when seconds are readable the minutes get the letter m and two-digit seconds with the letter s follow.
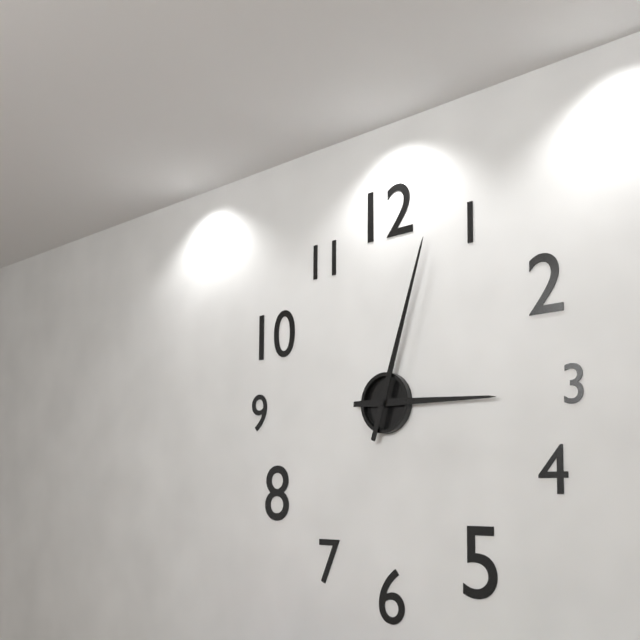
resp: 3h03
